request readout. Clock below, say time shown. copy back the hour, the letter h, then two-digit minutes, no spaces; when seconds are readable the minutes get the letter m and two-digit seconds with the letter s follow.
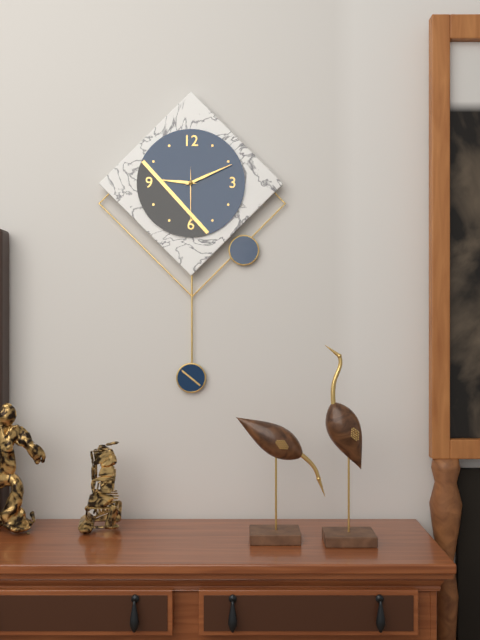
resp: 9h11m30s
